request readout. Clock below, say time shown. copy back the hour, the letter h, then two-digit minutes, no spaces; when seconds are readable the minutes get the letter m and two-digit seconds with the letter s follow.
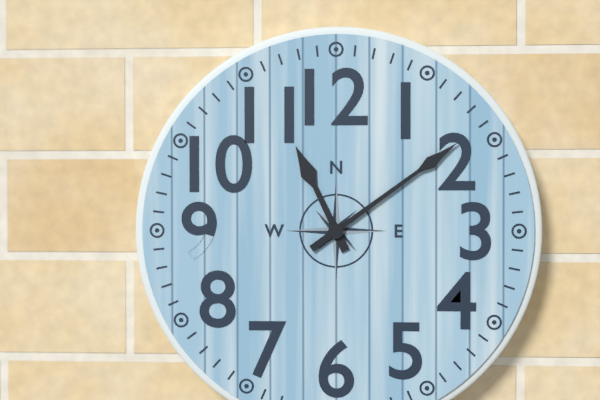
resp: 11h09
